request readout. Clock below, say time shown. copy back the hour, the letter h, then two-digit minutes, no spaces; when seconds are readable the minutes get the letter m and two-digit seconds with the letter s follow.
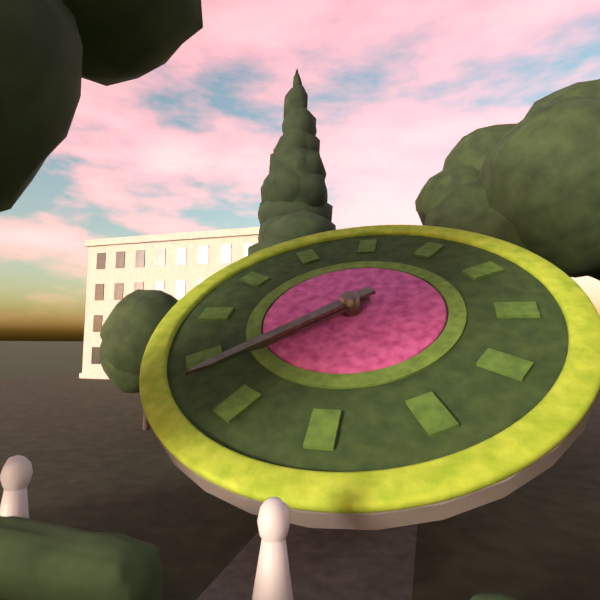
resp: 7h38
